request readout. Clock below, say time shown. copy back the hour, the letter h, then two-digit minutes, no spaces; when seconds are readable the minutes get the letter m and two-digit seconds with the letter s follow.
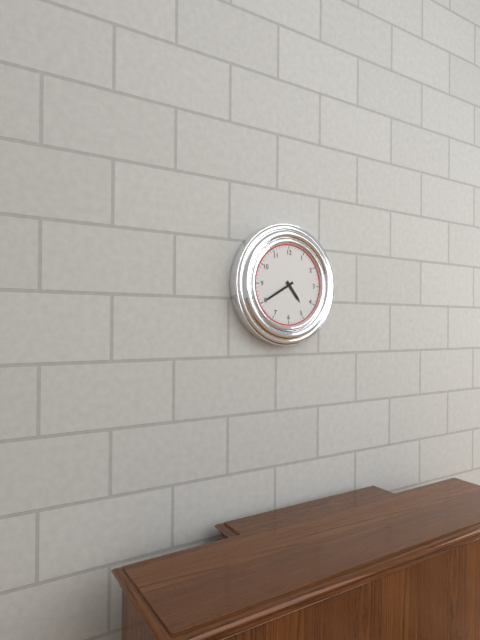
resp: 4h40
